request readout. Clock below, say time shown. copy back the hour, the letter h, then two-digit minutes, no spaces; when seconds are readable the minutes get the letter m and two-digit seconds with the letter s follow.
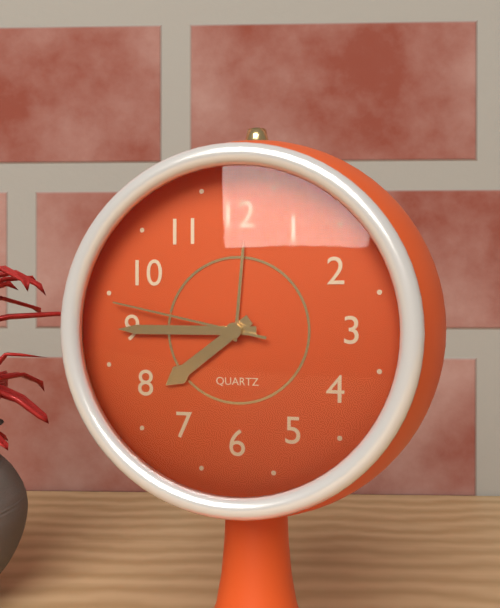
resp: 7h45m47s
